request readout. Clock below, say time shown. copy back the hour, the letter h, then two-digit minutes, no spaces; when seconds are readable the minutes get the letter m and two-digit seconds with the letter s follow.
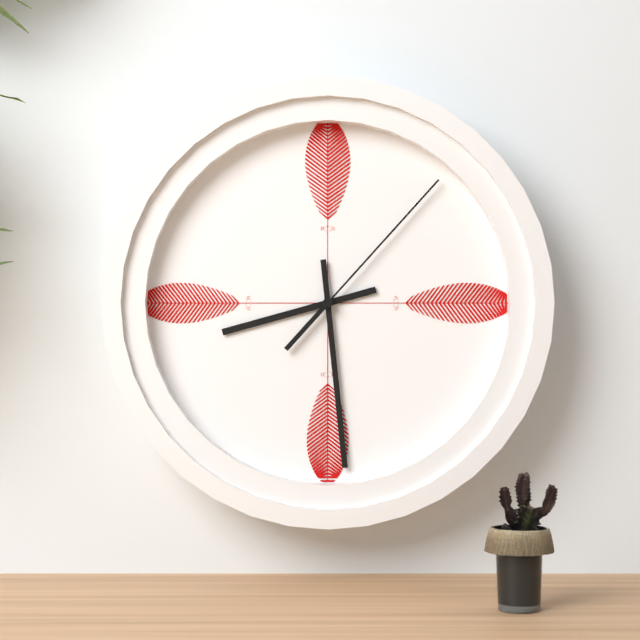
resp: 8h29m07s
